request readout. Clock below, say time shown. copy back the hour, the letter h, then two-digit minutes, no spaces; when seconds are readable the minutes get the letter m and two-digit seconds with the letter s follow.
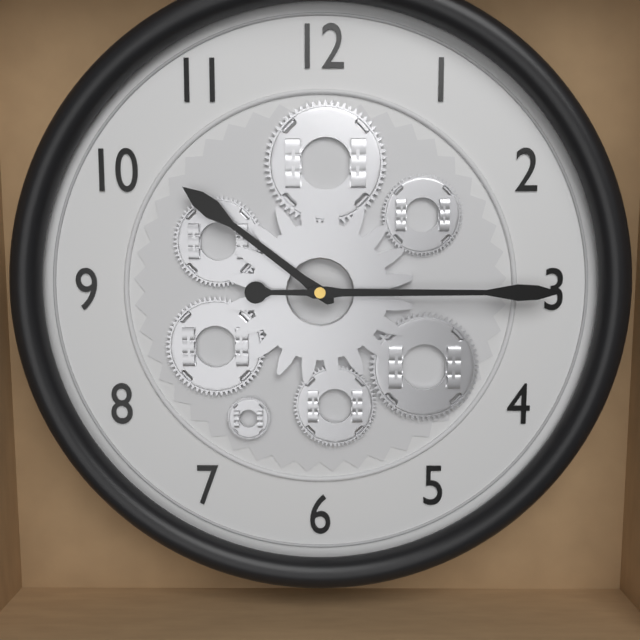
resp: 10h15
